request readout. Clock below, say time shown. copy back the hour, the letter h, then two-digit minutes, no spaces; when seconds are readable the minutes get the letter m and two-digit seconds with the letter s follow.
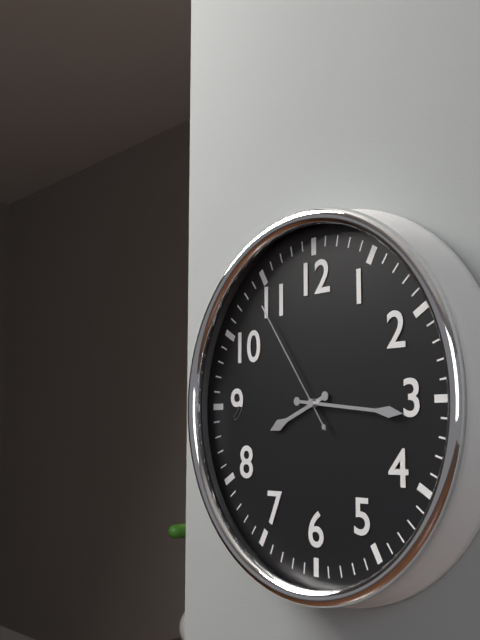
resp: 8h16m54s
